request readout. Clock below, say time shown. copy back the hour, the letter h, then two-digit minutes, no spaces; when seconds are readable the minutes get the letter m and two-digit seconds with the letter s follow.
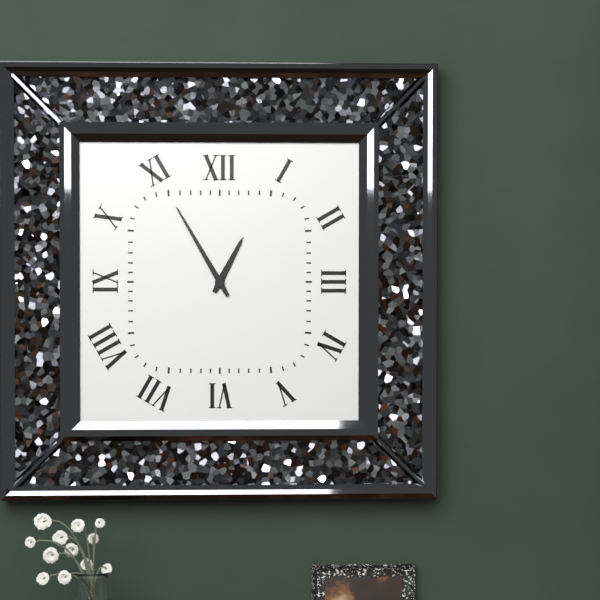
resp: 12h55
